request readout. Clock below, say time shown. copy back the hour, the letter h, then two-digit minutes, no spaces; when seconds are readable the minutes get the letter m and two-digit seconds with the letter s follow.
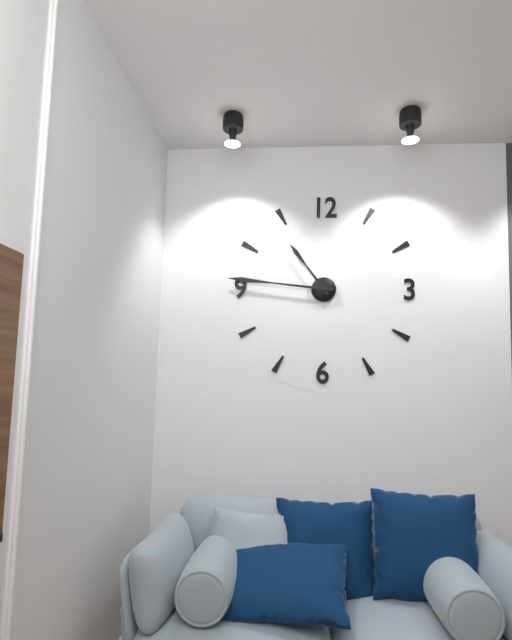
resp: 10h46
